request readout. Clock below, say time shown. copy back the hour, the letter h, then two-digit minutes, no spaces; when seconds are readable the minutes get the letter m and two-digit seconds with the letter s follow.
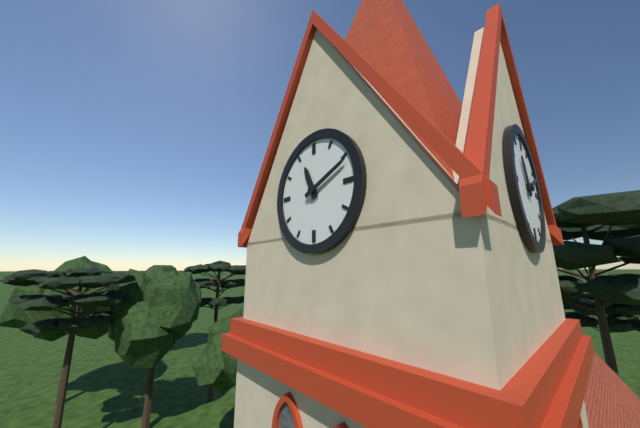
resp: 11h11
